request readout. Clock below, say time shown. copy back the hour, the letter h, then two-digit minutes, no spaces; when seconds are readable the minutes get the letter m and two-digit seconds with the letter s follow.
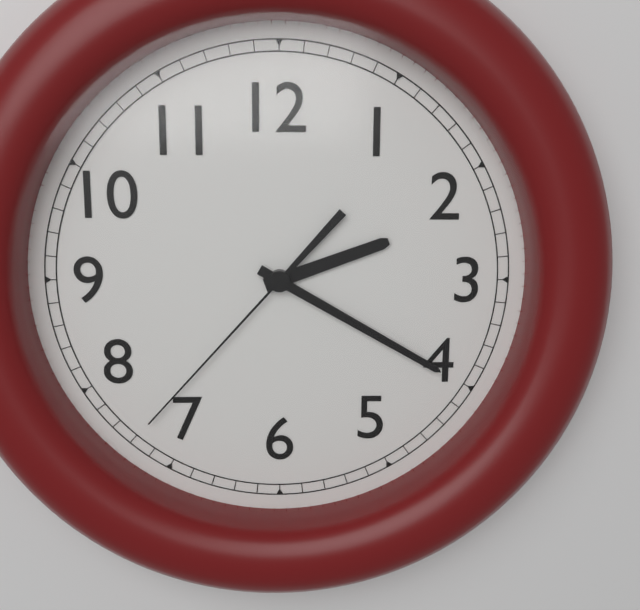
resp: 2h20m37s
